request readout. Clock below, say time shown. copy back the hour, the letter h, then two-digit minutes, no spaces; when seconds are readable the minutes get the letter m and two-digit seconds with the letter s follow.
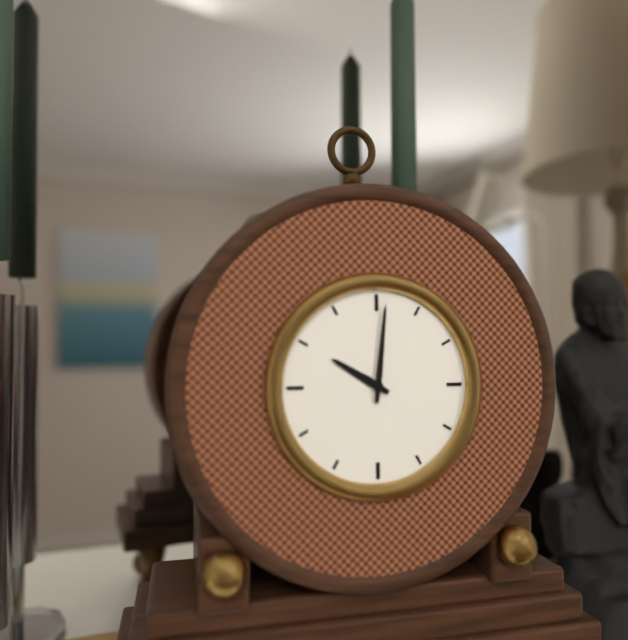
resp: 10h01
